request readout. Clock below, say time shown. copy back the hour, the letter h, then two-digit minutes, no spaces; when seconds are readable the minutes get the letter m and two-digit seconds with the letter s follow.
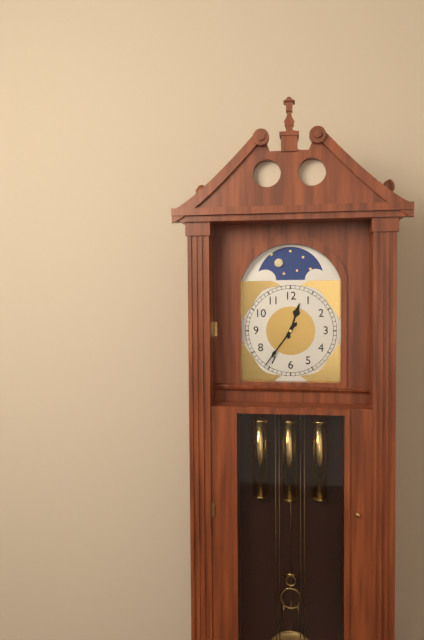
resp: 12h36
